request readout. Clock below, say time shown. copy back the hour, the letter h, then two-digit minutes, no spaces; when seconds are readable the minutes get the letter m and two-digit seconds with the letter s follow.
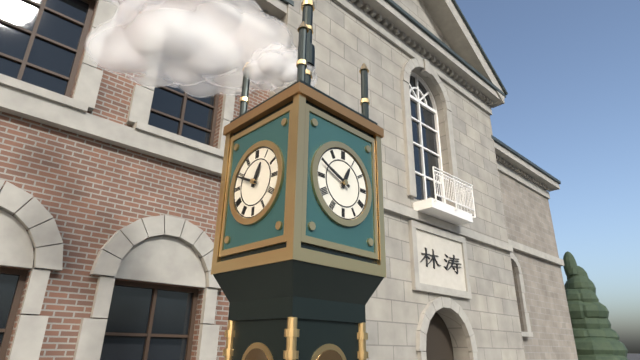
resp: 12h49
